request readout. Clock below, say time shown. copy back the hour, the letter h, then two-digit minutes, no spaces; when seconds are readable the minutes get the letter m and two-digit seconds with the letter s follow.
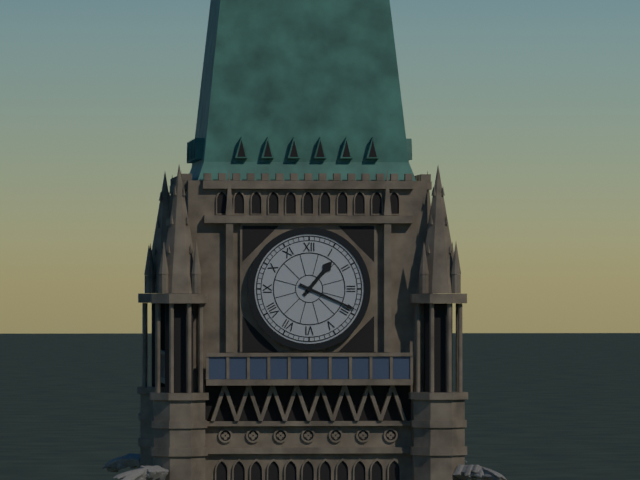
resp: 1h19
